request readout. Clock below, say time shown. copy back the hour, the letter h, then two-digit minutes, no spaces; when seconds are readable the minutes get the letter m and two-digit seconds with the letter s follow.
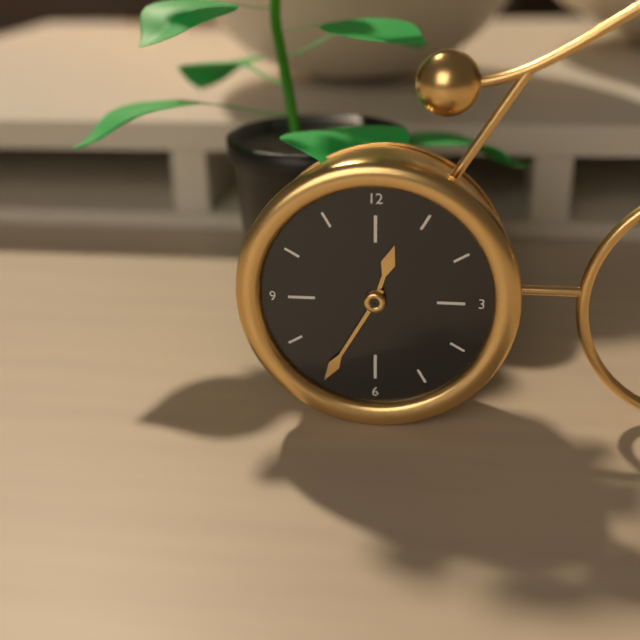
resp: 12h35
